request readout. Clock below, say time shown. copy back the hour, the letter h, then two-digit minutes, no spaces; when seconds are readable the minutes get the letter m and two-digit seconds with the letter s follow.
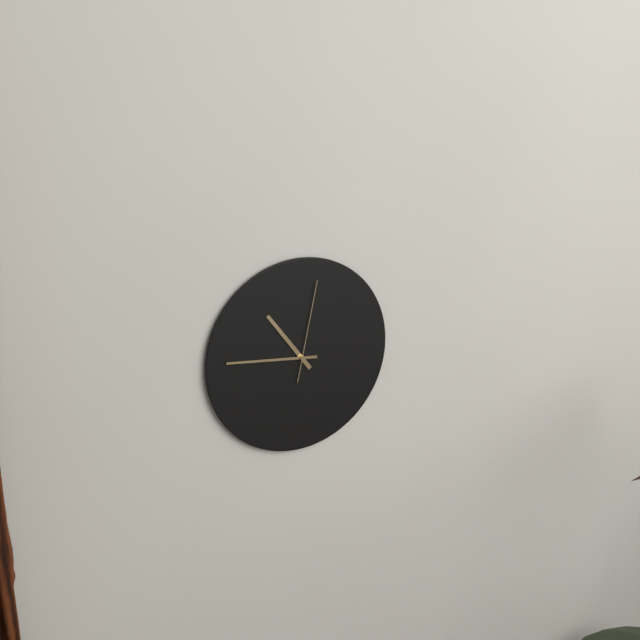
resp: 10h46m02s
